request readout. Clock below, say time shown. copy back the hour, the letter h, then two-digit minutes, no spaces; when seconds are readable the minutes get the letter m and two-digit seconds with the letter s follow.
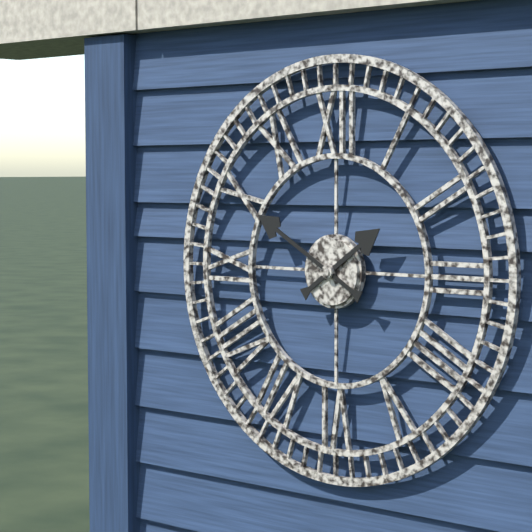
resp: 1h50
